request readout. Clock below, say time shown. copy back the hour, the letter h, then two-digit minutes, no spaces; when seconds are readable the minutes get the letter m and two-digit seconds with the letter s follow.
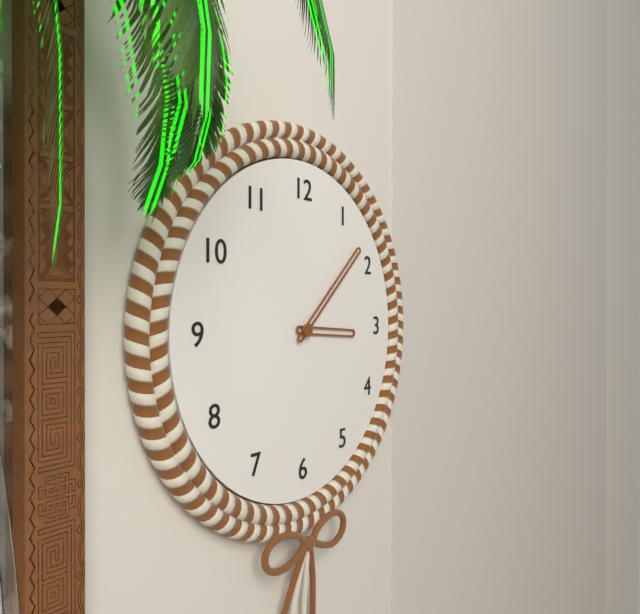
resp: 3h08
